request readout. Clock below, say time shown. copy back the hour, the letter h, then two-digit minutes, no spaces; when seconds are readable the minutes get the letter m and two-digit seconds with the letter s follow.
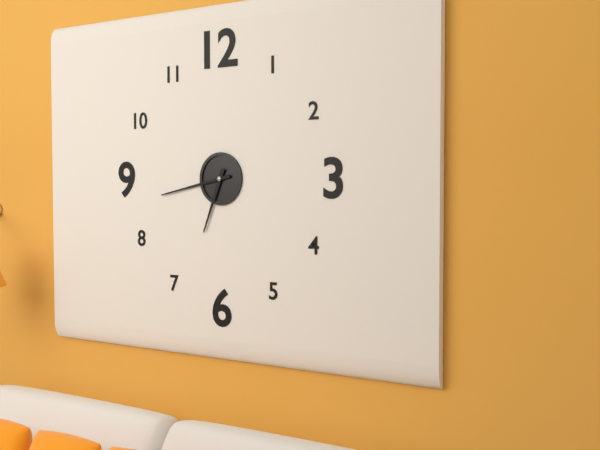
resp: 6h43
